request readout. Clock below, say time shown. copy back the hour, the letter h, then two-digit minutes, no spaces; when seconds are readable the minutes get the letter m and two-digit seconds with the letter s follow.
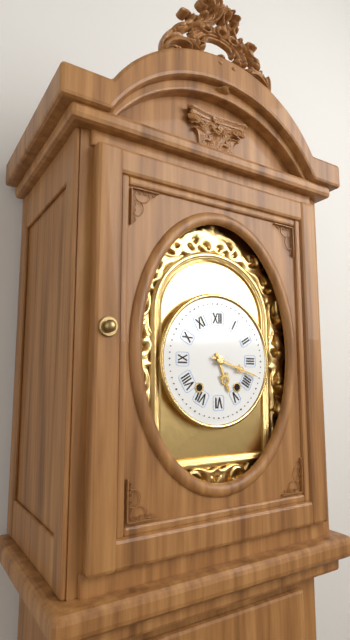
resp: 5h18
